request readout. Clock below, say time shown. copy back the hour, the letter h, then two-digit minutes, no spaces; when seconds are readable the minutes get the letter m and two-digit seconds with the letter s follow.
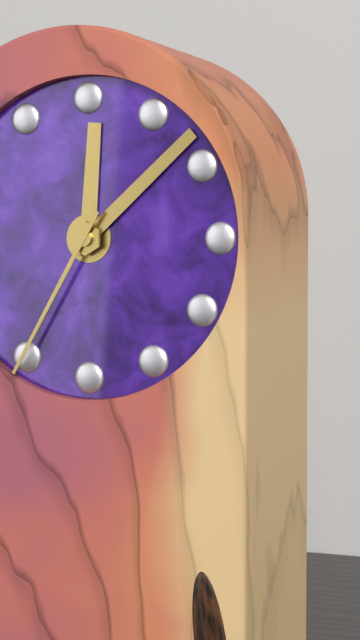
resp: 12h08m35s
